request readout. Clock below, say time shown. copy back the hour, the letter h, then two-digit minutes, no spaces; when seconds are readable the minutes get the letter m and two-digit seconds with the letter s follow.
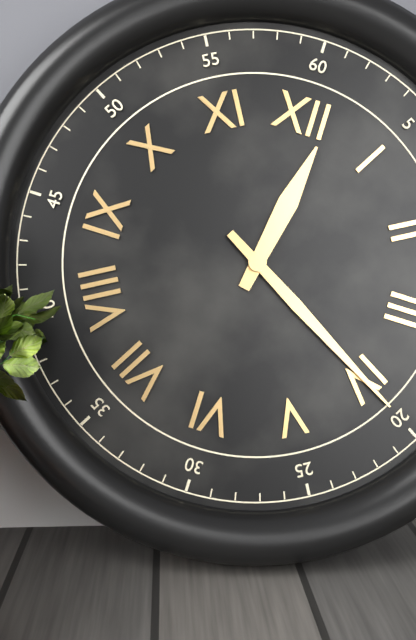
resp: 12h20
